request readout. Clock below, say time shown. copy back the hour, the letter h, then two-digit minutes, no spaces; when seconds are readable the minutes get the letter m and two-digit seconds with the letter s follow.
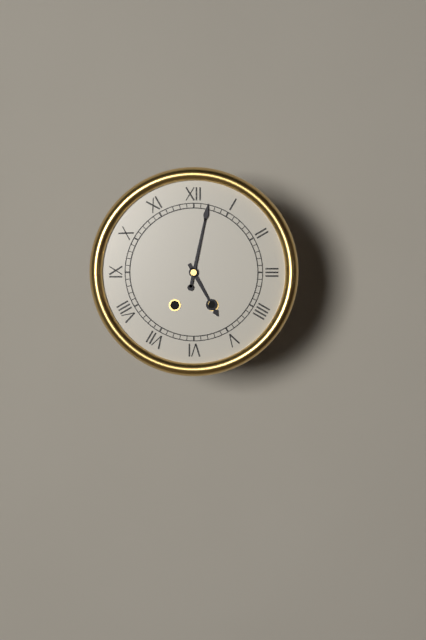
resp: 5h02
